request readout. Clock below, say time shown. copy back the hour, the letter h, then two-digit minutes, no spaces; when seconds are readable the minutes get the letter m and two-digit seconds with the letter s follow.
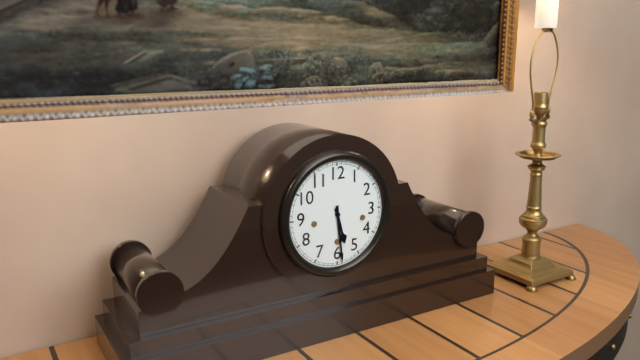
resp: 5h29
